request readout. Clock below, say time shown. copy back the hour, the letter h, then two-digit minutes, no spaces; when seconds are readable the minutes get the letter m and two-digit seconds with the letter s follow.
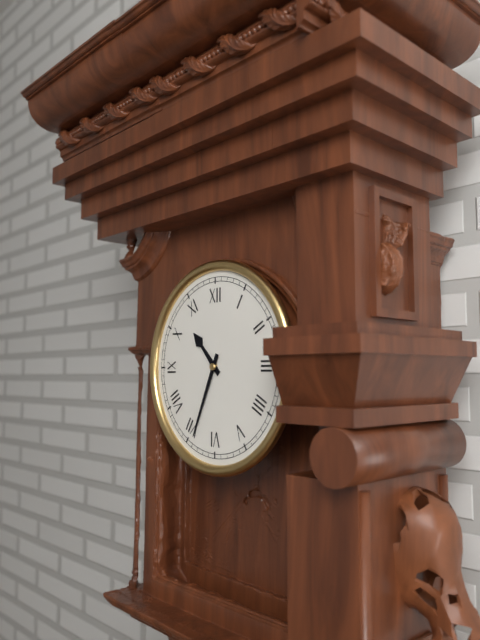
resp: 10h34
